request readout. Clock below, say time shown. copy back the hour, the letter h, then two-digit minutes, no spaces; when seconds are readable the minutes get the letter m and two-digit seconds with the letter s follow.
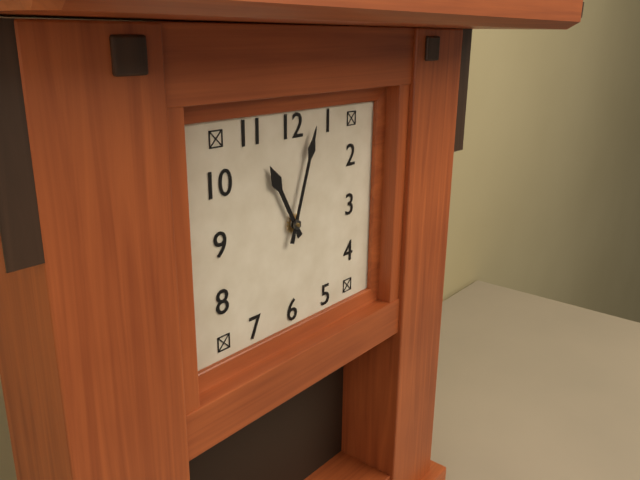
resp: 11h03
